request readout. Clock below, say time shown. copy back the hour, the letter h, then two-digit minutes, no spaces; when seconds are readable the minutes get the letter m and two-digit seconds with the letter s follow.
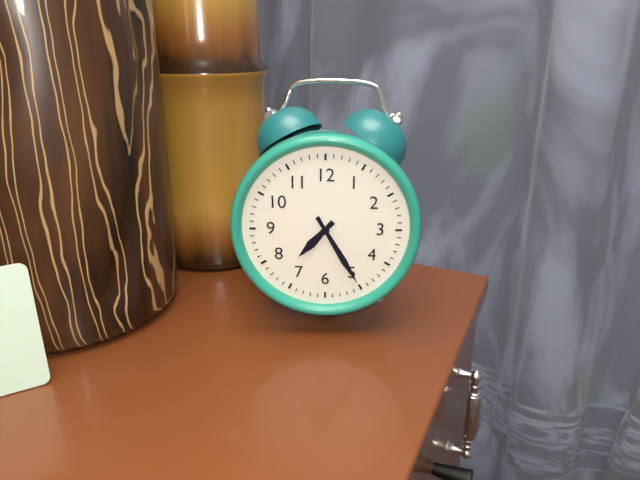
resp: 7h25
